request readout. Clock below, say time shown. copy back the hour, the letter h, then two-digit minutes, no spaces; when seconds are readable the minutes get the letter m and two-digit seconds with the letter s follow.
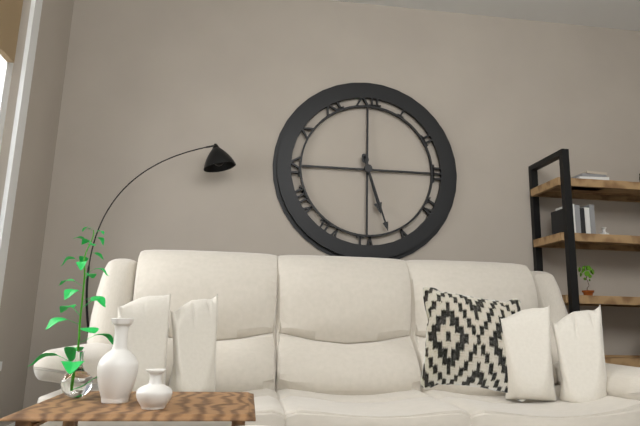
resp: 5h27
